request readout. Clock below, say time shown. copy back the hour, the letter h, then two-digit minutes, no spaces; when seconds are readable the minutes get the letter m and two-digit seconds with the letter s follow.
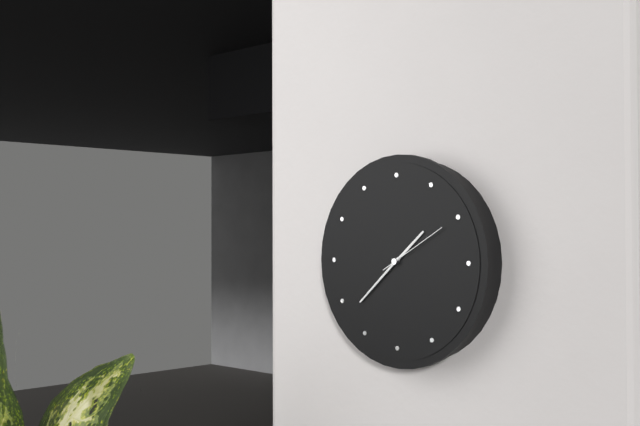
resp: 1h38m10s
